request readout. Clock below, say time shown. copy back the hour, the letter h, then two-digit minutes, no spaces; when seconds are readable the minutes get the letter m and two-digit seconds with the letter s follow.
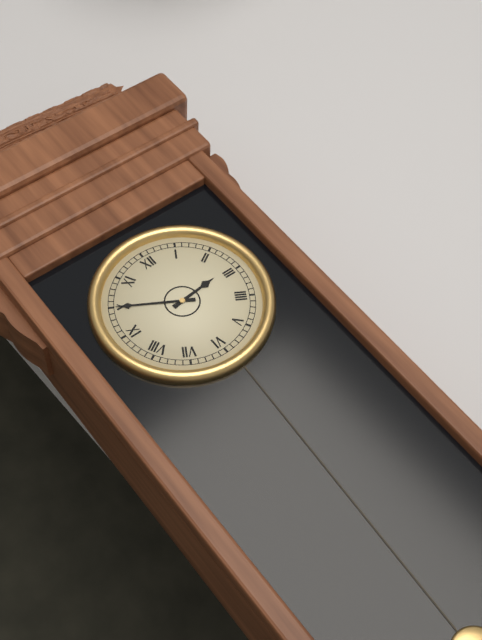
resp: 2h50
